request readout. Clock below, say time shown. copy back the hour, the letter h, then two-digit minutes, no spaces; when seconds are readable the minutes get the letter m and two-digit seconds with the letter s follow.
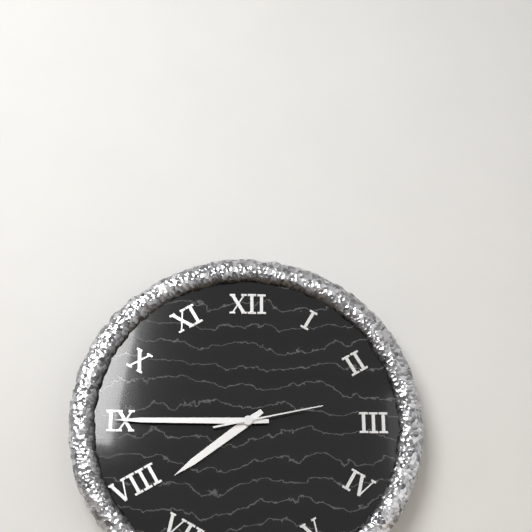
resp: 7h45m13s
